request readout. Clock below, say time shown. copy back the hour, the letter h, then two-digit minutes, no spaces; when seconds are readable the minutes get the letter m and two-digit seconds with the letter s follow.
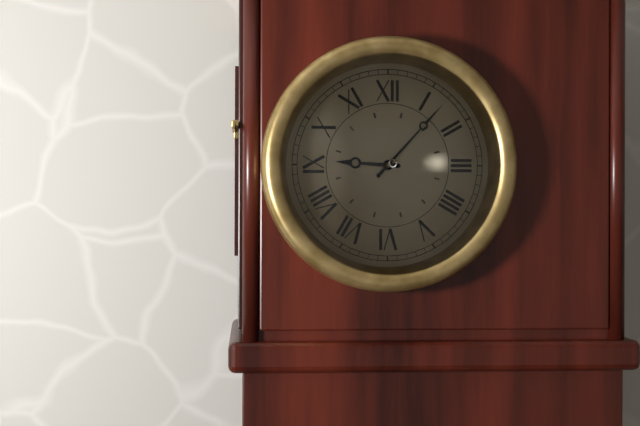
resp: 9h07
